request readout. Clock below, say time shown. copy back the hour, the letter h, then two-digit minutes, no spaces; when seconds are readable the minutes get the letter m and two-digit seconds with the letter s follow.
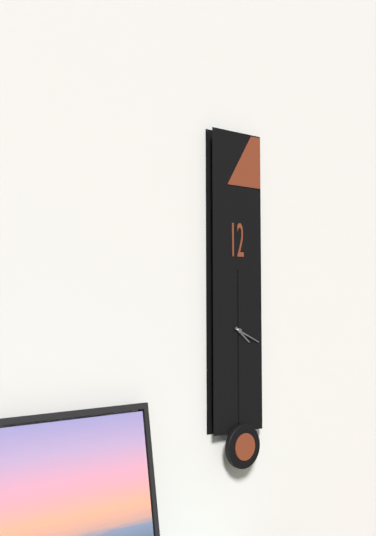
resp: 4h19
